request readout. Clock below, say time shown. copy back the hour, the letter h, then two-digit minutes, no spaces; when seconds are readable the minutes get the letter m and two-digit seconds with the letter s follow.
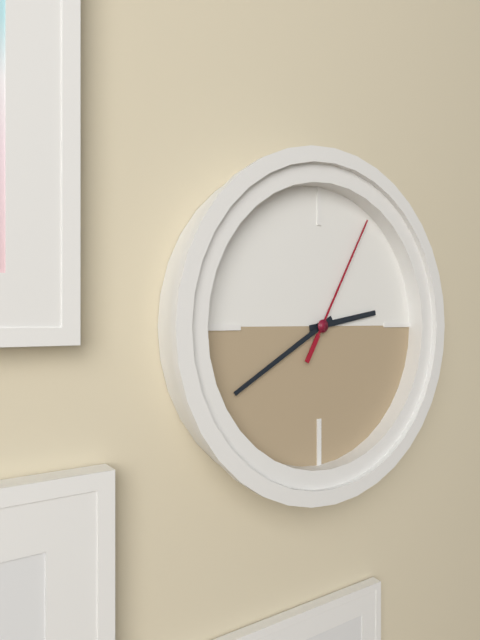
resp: 2h40m05s
